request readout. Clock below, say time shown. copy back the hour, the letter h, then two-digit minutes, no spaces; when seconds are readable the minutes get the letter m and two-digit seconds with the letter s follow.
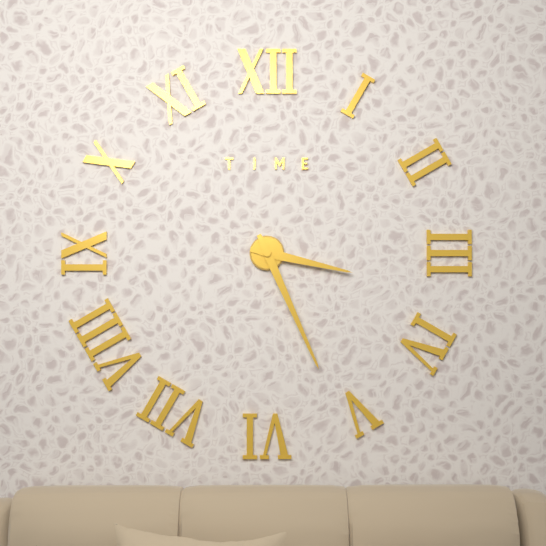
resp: 3h26
